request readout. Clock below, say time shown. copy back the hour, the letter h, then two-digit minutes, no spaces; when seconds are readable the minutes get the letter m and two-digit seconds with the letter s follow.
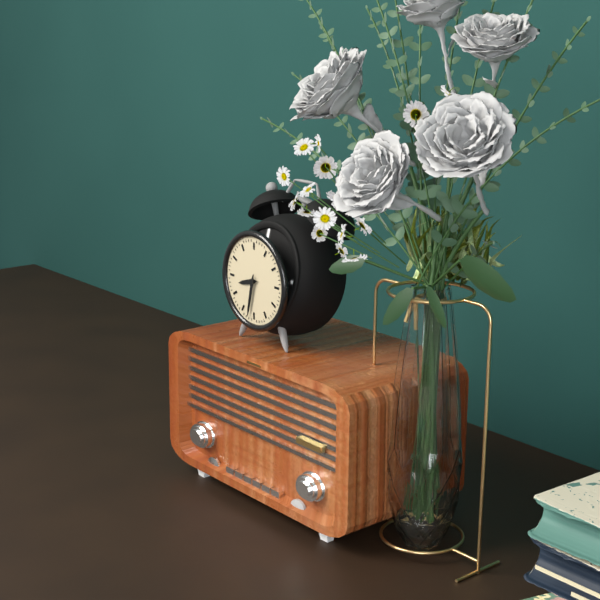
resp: 8h32
